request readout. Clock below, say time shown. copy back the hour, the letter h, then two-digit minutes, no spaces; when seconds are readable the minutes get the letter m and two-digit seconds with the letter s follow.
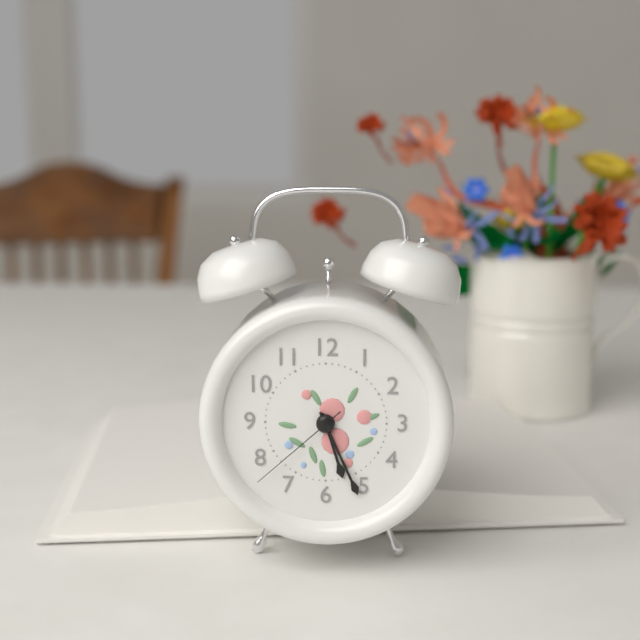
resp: 5h26m38s
